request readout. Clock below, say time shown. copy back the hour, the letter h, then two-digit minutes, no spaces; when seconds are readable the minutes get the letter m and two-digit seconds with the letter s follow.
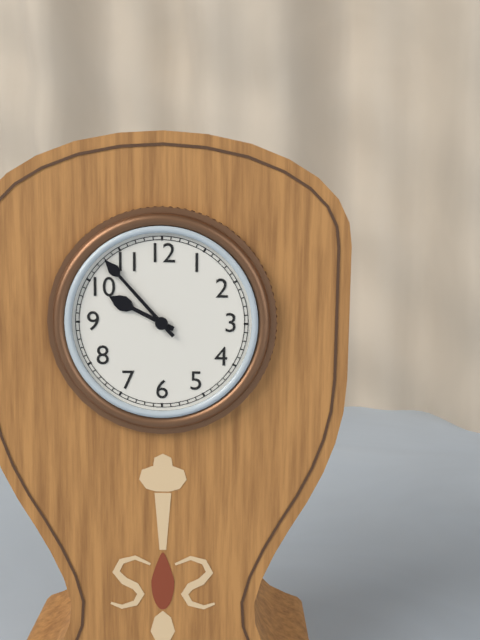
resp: 9h53
